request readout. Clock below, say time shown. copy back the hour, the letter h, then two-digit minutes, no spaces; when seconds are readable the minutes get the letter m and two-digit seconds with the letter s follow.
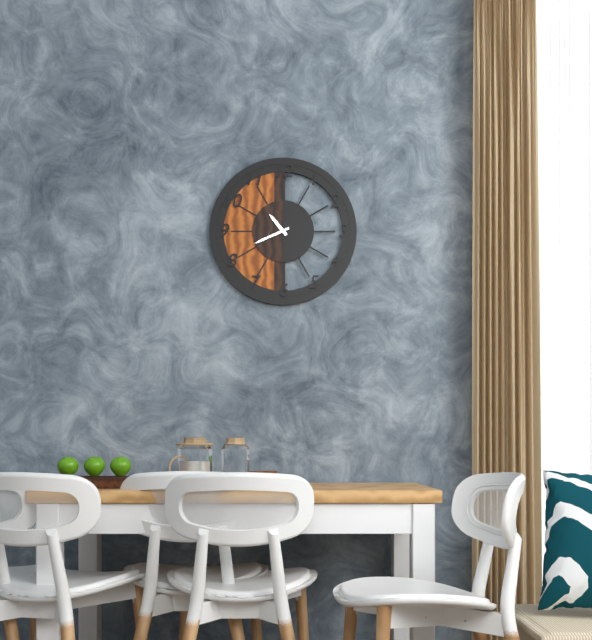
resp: 10h41
